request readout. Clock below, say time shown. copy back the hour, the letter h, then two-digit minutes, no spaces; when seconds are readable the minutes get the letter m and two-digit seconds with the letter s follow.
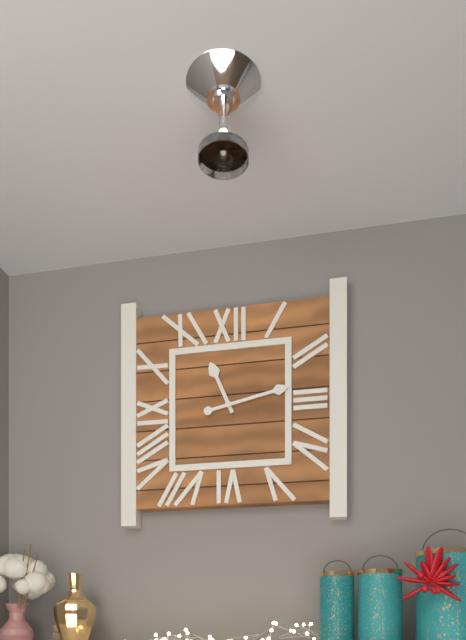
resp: 11h13
